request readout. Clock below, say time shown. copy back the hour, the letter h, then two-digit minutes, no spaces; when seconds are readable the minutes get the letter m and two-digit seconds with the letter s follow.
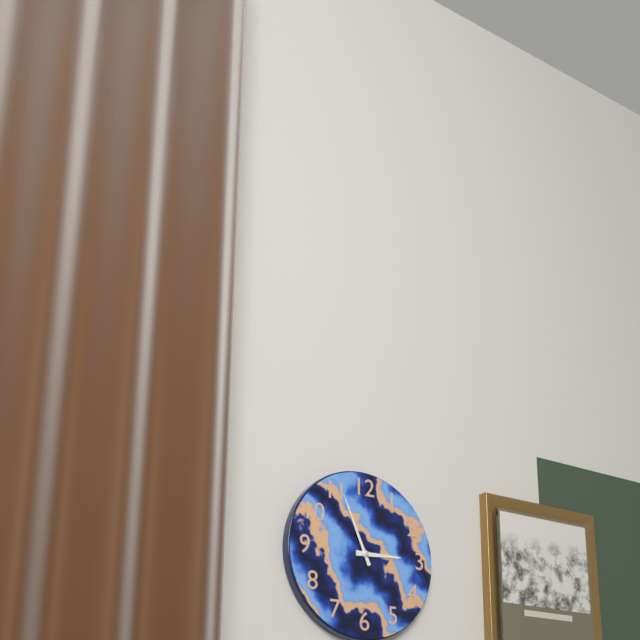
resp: 2h56
